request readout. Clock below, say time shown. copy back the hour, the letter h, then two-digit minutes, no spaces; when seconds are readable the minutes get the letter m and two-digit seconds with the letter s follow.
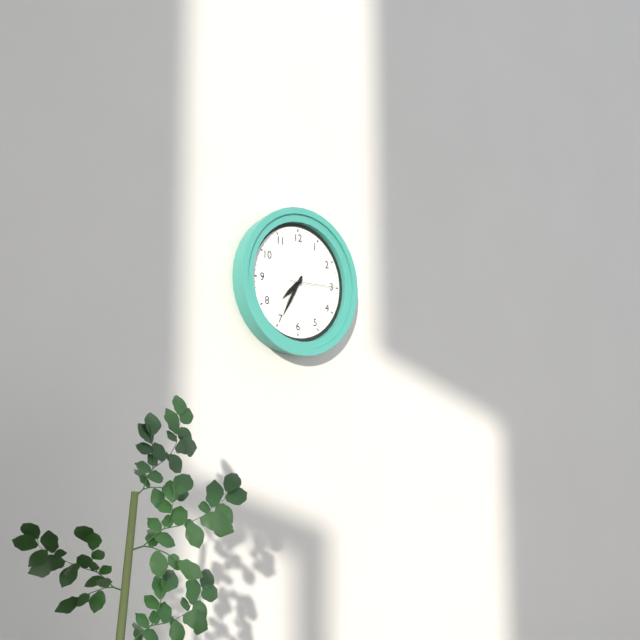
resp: 7h35
